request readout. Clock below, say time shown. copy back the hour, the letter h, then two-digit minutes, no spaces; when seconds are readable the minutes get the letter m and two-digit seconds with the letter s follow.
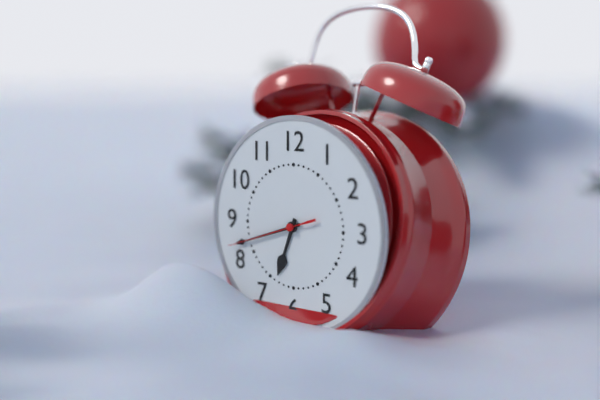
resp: 6h42m42s
